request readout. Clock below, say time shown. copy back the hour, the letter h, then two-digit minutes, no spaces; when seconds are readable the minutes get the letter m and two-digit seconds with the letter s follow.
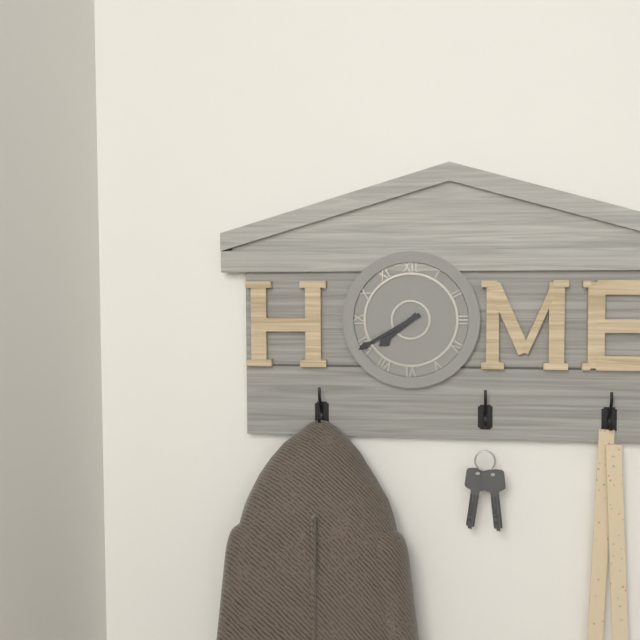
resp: 7h40
